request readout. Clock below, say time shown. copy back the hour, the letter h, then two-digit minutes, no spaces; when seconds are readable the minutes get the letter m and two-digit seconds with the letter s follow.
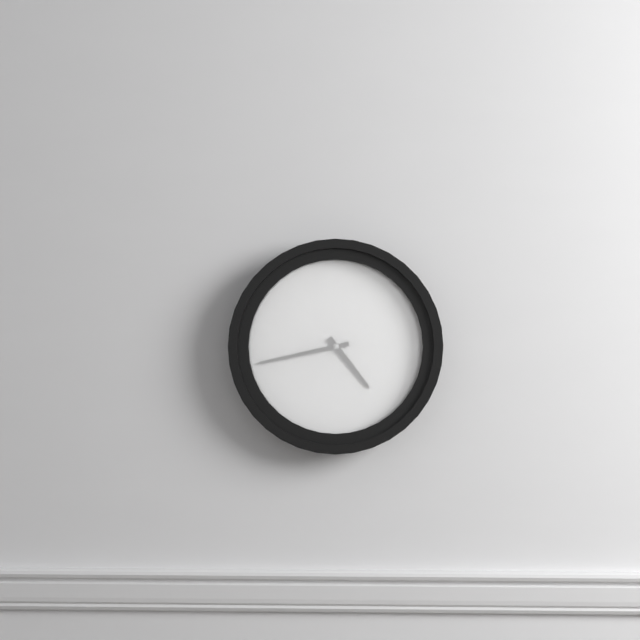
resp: 4h43
